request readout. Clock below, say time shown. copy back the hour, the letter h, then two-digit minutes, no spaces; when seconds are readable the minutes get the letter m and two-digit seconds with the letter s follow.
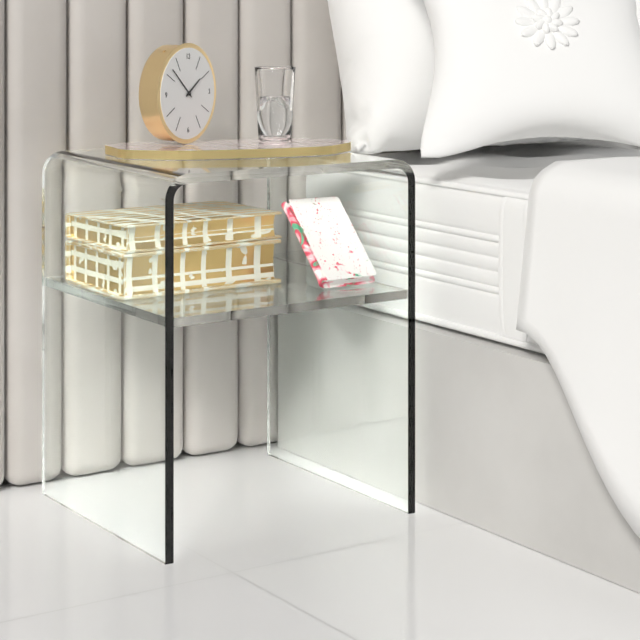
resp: 1h52
